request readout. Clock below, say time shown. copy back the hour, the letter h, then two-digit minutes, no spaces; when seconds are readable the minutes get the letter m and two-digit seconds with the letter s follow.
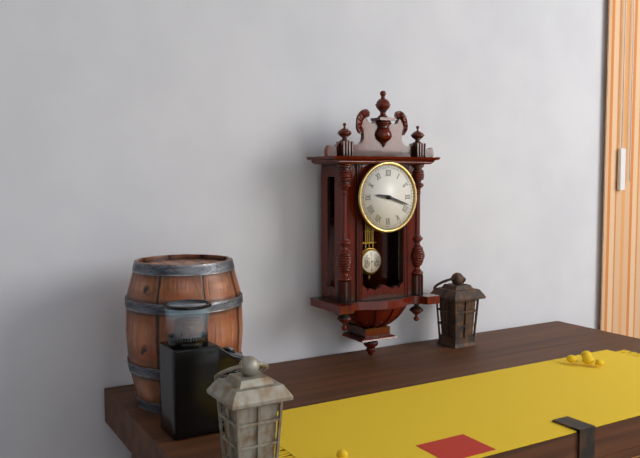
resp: 9h18
